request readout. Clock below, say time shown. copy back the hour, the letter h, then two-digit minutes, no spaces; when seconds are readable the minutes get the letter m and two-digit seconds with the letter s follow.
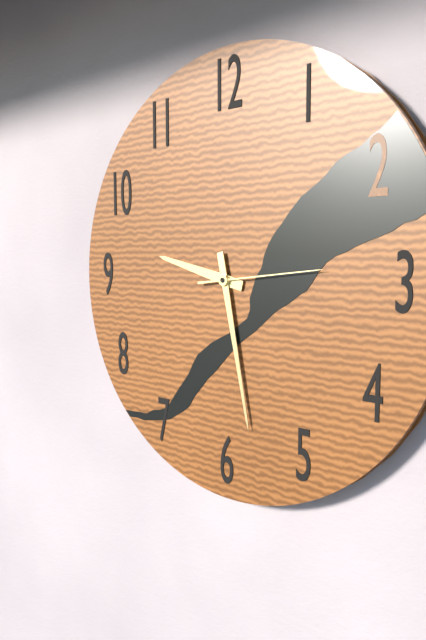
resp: 9h28m14s
